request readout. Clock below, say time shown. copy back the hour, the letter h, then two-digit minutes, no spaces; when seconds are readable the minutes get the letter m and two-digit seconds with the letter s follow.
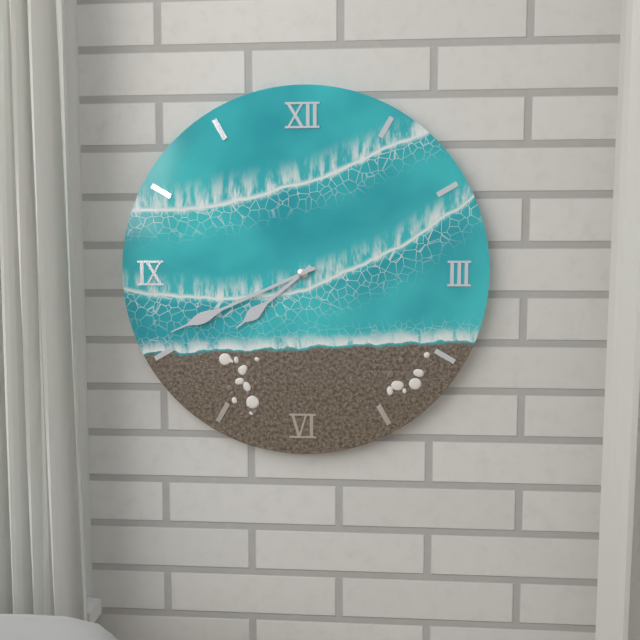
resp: 7h41
